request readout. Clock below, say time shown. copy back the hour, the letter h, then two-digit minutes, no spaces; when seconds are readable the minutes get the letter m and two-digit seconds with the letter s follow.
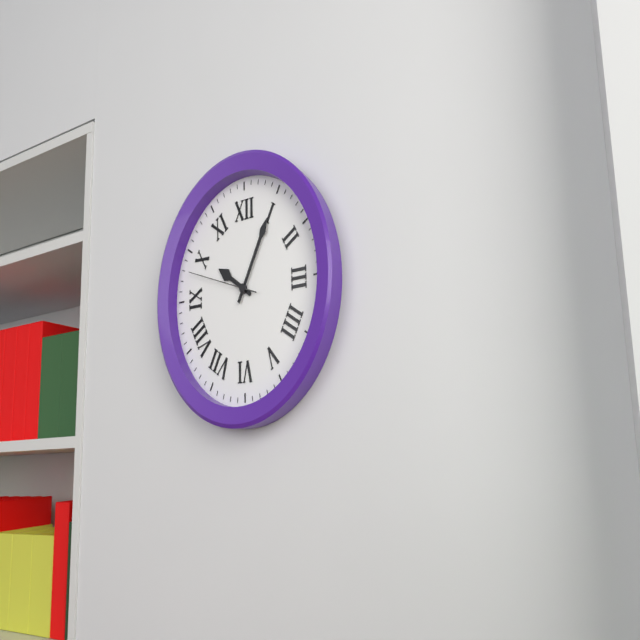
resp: 10h05m48s
